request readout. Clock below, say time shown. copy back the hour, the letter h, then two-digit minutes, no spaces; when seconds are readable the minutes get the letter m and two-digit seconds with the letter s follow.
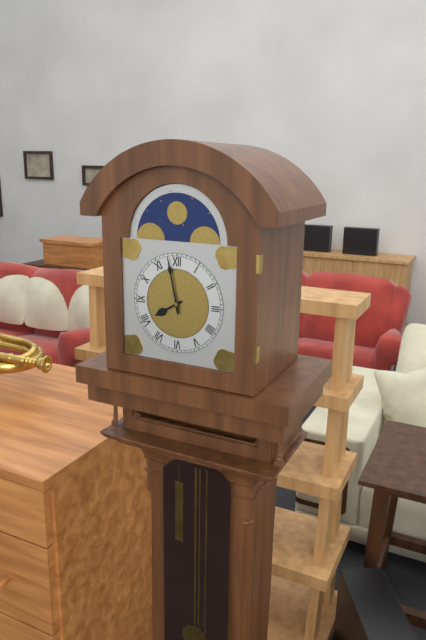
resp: 7h58
